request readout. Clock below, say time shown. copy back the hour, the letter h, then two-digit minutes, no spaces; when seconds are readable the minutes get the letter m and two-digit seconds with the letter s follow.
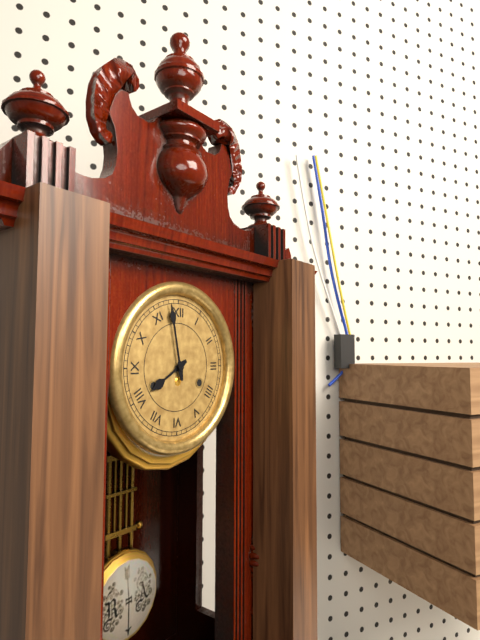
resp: 7h58
